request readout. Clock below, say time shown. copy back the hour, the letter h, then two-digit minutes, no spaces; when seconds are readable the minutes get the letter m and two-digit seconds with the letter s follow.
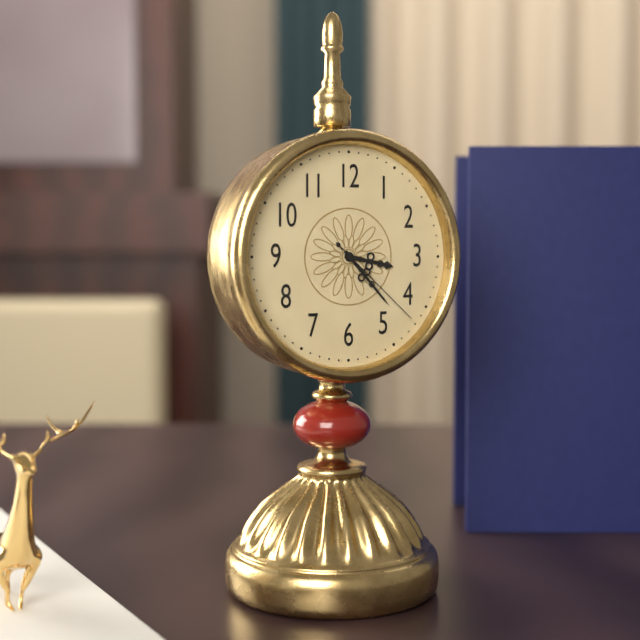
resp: 3h23m22s
